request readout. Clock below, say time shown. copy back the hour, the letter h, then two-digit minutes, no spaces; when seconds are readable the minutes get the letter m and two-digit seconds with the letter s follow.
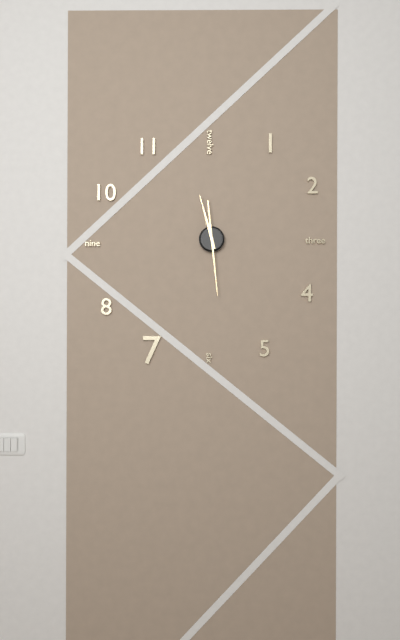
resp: 11h29
